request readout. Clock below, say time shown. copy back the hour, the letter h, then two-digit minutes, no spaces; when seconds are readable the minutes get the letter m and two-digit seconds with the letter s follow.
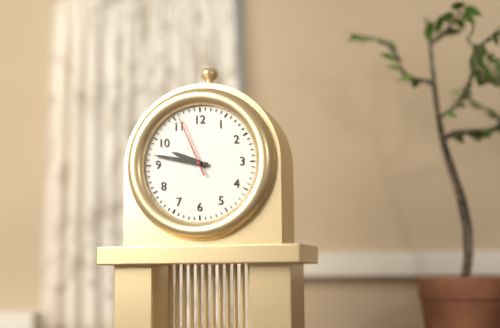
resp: 9h47m56s
